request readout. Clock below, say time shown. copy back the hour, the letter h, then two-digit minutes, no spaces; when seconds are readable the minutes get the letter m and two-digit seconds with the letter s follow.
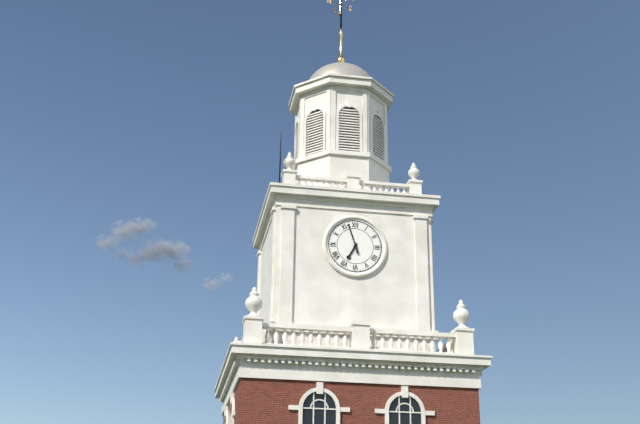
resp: 6h57
